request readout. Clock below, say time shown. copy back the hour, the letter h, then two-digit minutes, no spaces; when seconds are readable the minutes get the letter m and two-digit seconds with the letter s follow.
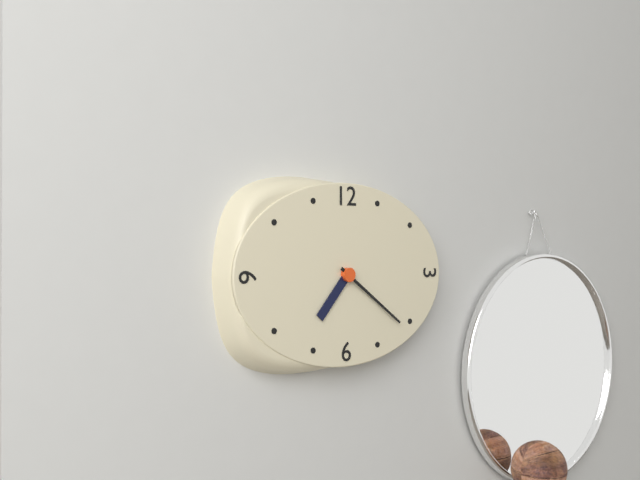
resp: 7h21
